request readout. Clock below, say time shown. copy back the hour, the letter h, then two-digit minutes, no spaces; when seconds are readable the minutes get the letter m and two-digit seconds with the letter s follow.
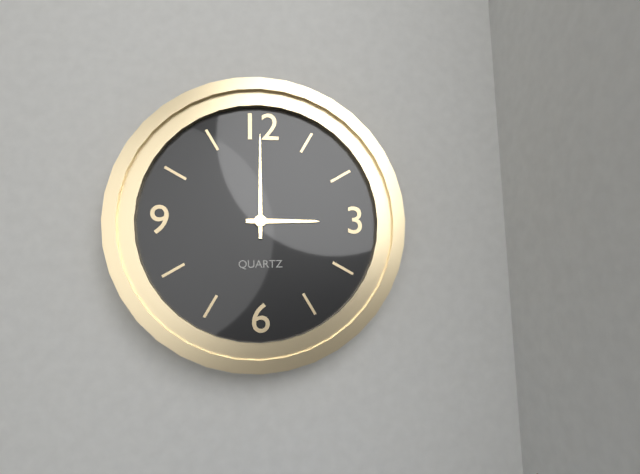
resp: 3h00
